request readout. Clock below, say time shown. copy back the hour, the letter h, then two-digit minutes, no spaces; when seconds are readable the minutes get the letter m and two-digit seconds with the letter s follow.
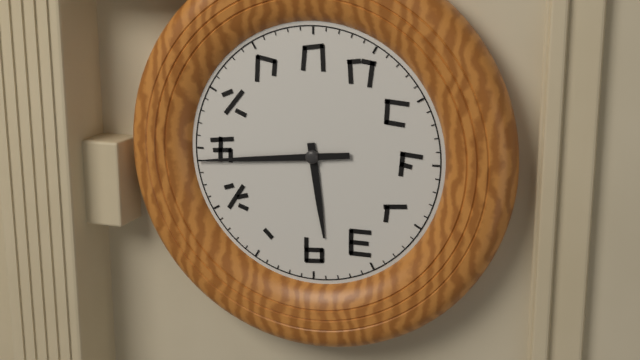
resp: 5h44
